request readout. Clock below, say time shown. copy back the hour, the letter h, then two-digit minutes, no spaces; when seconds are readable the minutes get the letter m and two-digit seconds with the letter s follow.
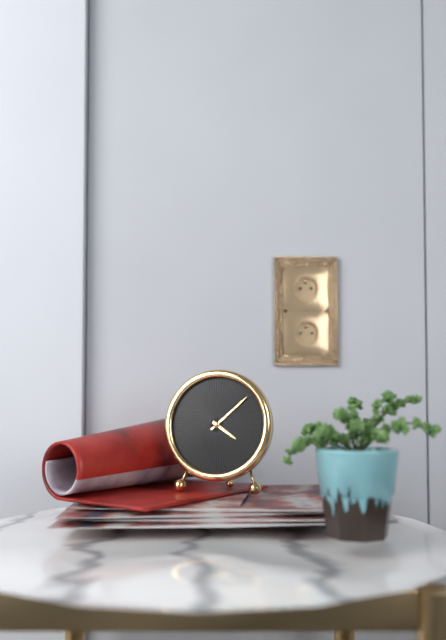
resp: 4h08
